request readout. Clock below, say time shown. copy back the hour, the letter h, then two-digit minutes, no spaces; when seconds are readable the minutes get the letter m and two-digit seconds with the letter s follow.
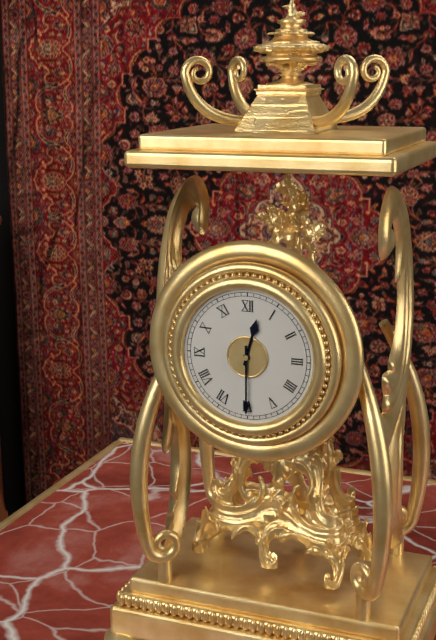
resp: 12h30
